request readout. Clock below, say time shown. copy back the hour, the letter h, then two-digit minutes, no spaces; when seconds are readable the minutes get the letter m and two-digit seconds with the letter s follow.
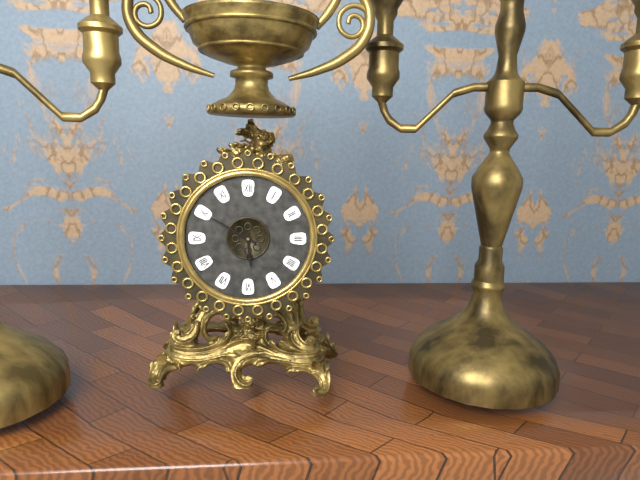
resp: 5h50
